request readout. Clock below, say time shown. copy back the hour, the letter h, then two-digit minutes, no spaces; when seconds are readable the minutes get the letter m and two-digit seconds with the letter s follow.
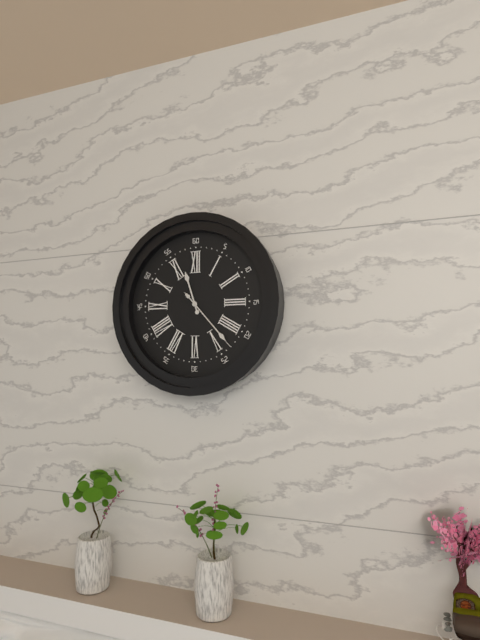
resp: 11h23m23s
